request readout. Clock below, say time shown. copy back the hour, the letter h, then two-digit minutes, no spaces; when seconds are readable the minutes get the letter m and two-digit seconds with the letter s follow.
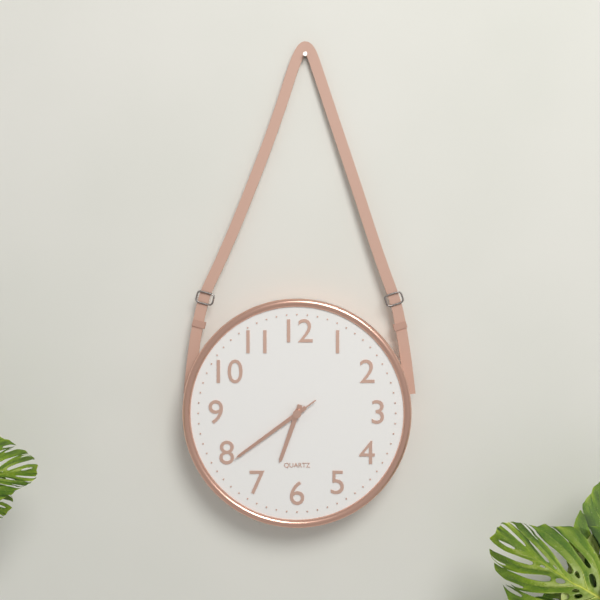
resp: 6h39m39s
